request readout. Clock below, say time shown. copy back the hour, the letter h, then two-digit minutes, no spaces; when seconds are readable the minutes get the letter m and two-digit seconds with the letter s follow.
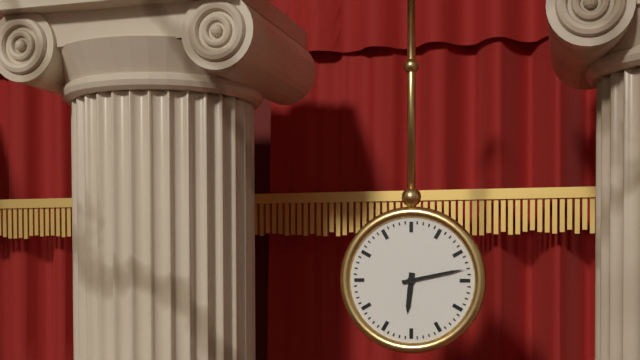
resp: 6h13
